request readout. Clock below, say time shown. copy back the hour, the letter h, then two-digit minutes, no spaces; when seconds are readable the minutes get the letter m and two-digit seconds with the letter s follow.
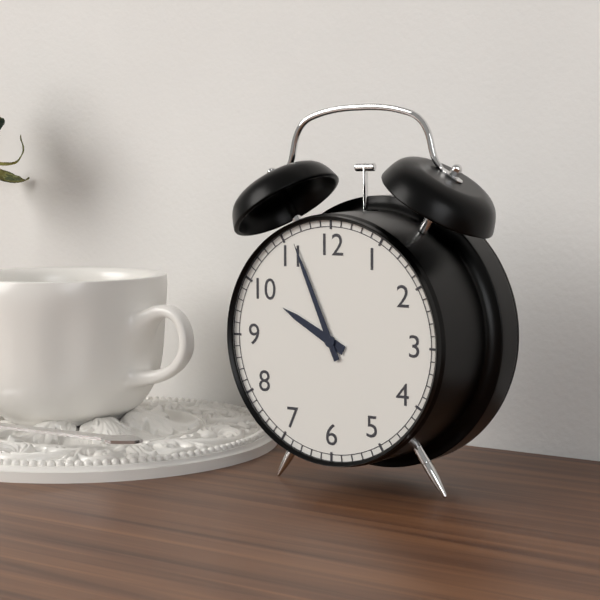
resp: 9h56
